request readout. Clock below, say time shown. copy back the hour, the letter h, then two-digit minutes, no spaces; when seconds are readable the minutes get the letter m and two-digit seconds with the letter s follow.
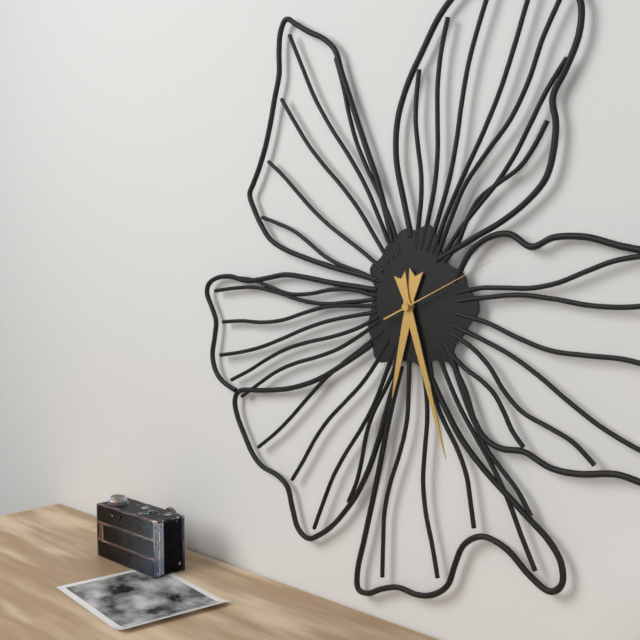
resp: 6h27m11s
